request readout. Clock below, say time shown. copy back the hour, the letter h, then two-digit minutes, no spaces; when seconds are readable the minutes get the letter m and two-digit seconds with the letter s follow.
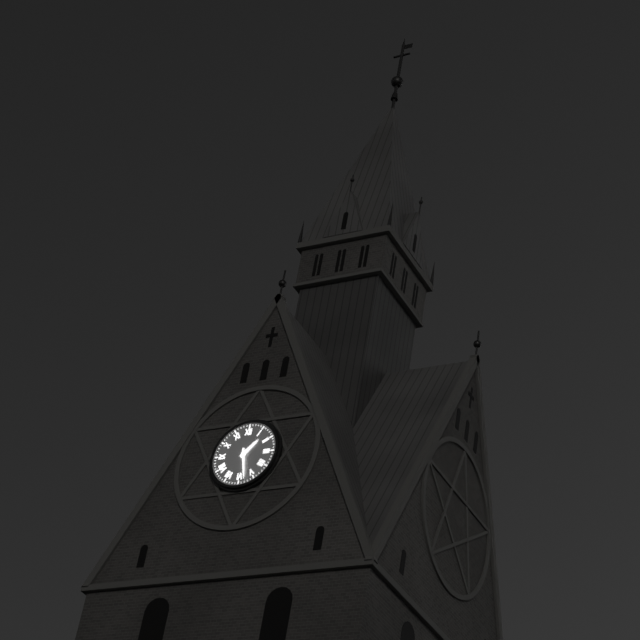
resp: 1h28
